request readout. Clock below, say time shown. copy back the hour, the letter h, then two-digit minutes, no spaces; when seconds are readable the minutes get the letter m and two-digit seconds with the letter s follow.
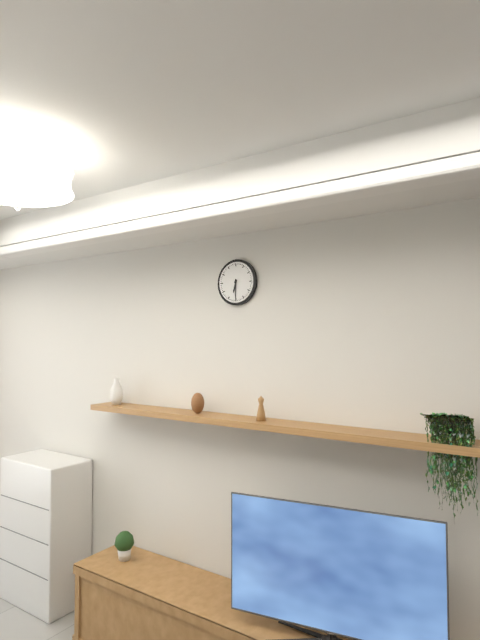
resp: 6h30
